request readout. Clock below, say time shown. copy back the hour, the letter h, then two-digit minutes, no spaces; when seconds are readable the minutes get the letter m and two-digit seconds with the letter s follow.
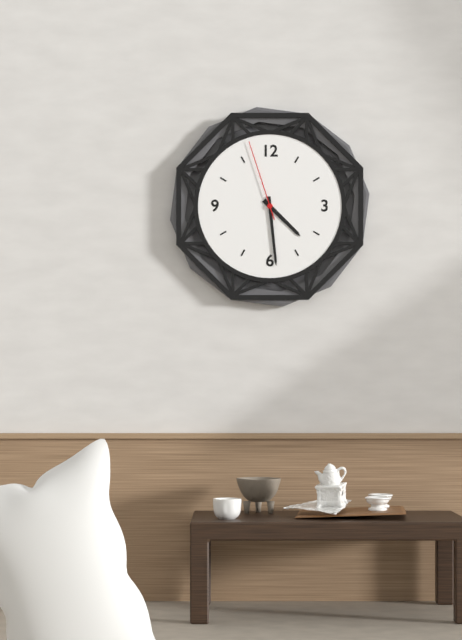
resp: 4h29m57s
